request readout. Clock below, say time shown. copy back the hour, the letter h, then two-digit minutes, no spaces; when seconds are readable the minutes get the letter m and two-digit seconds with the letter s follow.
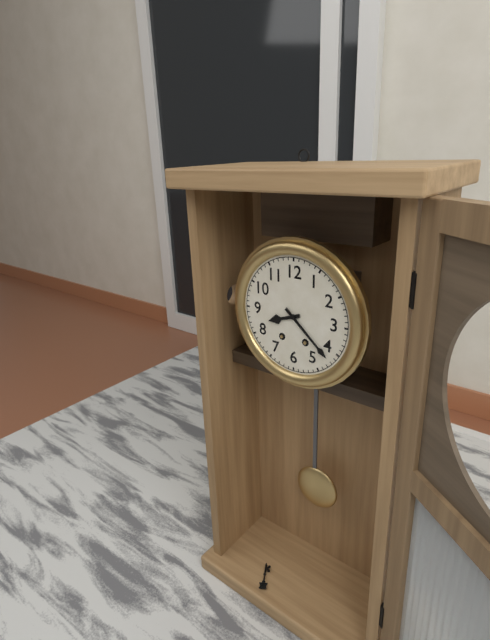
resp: 8h22
